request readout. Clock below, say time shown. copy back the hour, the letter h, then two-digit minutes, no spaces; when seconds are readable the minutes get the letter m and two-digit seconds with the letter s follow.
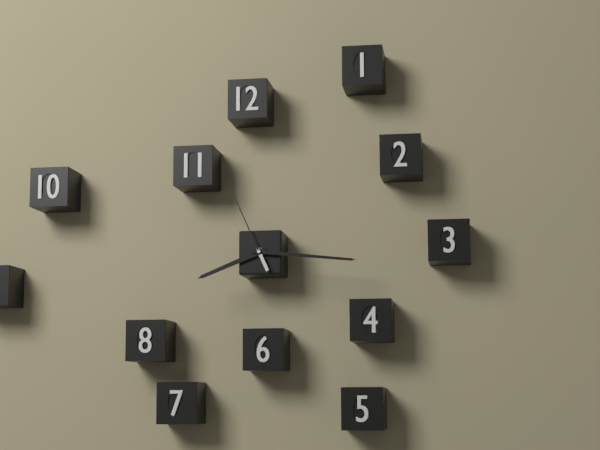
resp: 8h16m56s
